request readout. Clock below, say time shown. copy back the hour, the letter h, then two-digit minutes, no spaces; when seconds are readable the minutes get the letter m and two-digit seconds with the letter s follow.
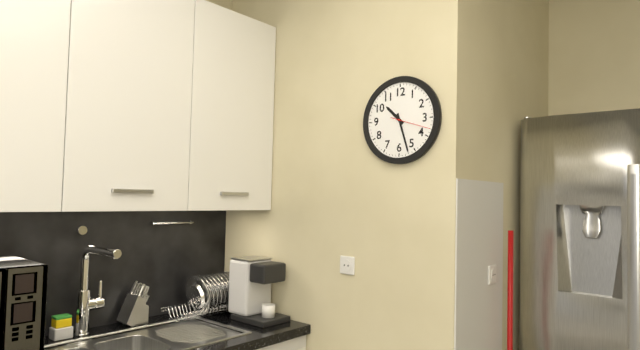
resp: 10h27
